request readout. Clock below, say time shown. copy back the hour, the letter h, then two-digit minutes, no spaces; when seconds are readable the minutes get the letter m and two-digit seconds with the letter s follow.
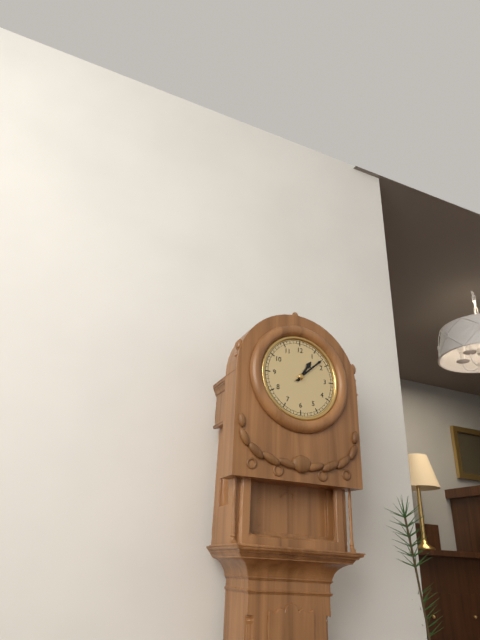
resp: 1h08
